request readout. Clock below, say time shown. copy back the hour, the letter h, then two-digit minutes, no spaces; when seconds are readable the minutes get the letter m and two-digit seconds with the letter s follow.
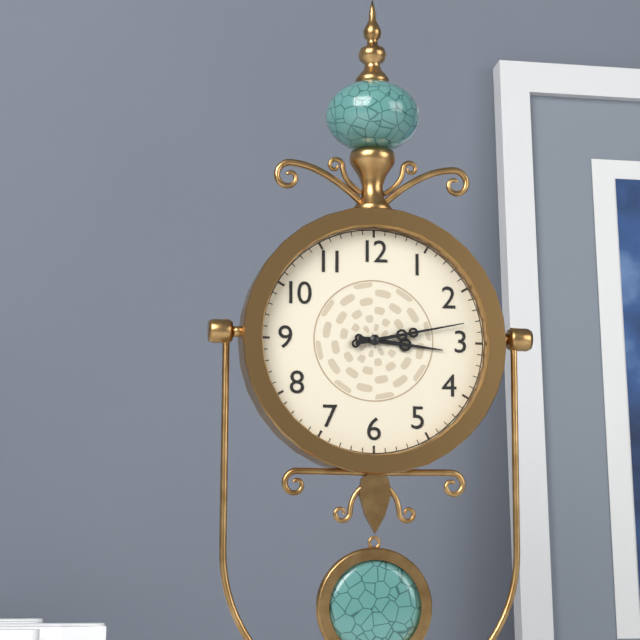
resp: 3h13
